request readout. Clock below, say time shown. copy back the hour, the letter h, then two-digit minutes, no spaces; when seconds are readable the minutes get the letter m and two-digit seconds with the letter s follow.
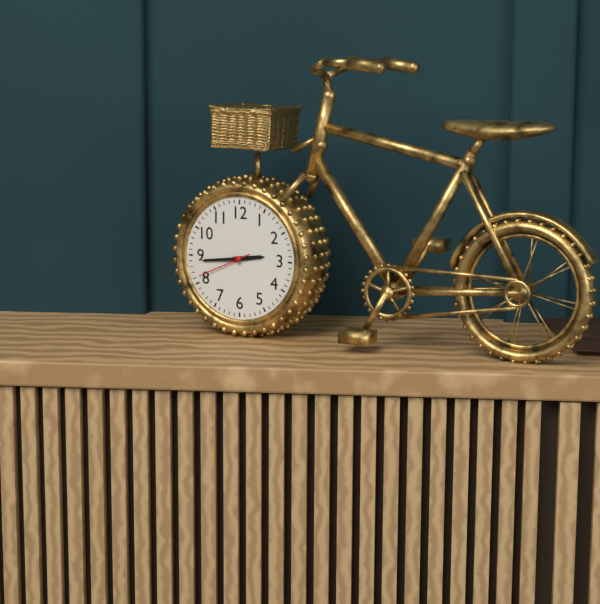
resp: 2h44m41s
